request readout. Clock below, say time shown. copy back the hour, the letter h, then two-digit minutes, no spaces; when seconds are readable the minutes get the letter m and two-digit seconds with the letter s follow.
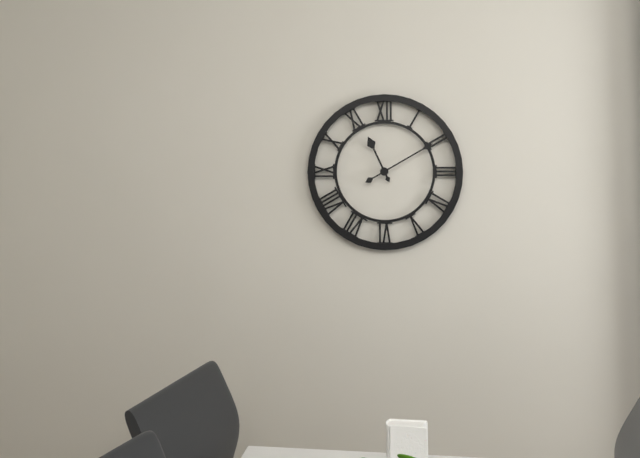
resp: 11h10
